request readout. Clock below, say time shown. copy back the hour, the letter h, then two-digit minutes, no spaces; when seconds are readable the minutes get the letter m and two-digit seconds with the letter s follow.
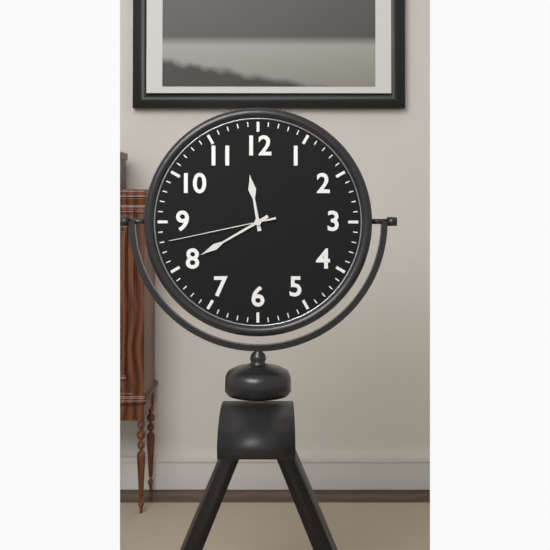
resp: 11h40m43s
